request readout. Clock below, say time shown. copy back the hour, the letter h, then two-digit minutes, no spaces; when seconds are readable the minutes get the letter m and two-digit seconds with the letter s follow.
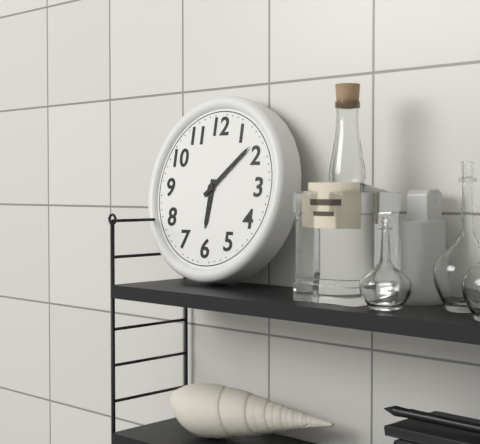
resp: 6h08
